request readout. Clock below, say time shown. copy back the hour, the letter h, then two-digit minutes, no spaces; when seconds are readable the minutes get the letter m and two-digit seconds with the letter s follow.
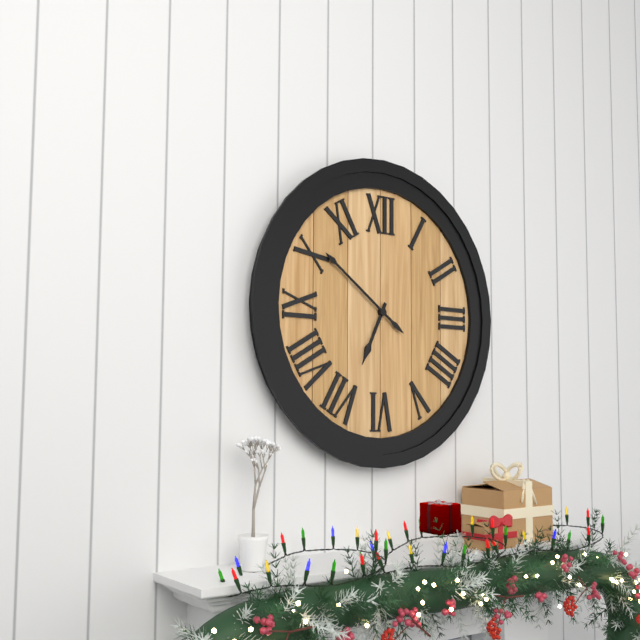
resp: 6h51
